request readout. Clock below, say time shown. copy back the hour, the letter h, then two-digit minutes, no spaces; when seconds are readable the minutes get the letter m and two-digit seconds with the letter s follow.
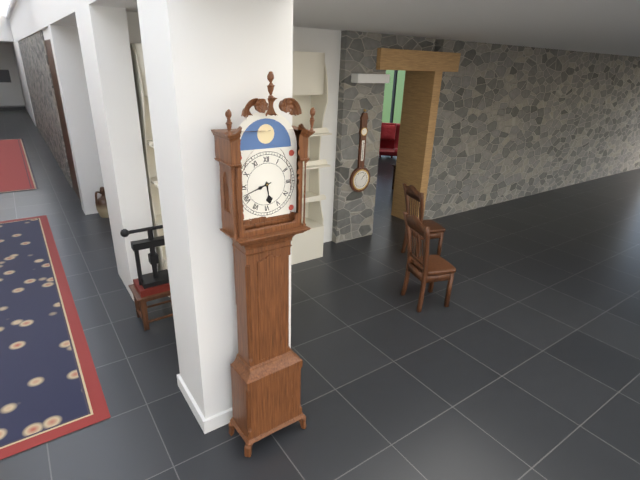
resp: 5h42
